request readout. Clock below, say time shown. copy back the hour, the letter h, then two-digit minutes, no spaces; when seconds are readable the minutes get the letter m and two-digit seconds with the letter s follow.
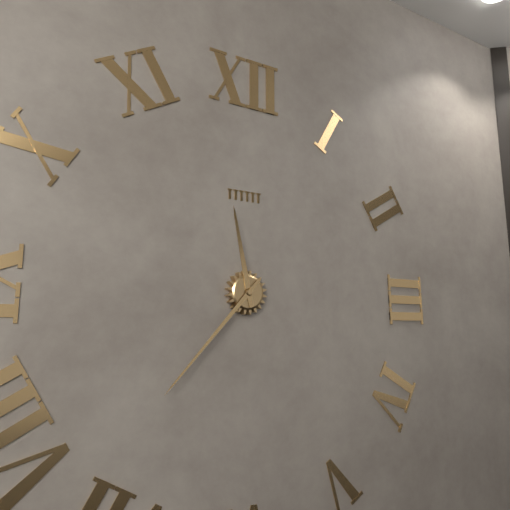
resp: 11h37
